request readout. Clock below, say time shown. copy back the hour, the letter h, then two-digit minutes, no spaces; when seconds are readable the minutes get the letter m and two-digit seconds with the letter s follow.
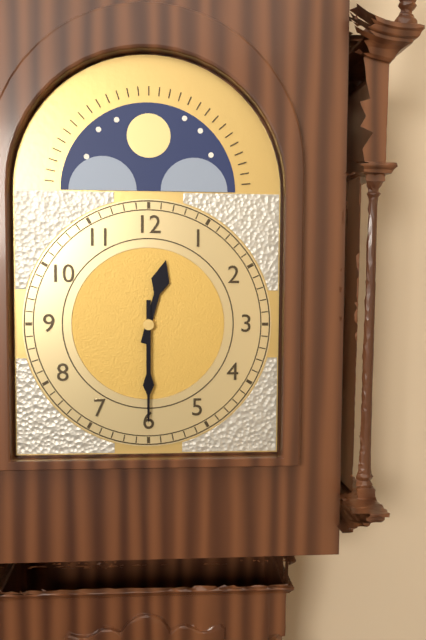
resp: 12h30
